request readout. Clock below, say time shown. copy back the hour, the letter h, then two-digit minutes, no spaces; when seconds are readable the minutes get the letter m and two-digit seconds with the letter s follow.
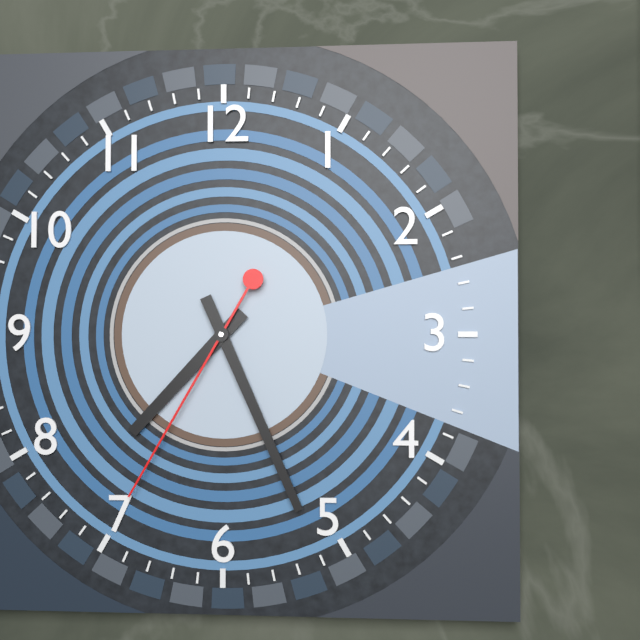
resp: 7h26m35s
